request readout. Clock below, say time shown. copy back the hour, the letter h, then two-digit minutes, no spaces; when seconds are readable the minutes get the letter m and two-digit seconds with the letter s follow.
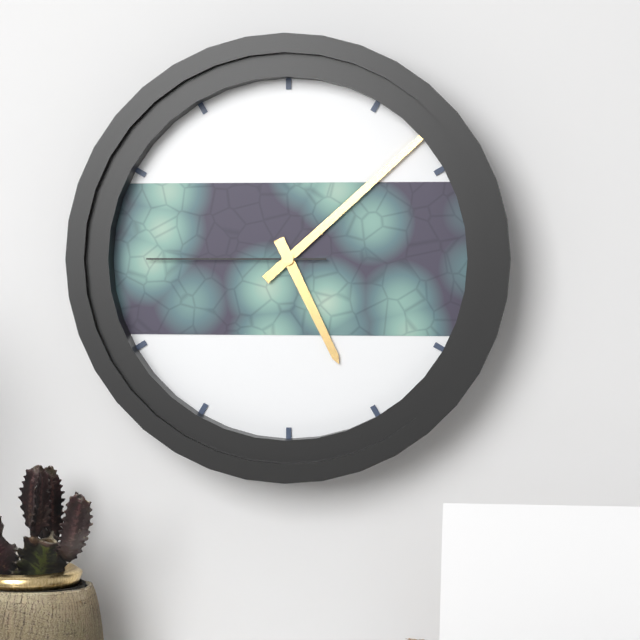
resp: 5h08m45s
